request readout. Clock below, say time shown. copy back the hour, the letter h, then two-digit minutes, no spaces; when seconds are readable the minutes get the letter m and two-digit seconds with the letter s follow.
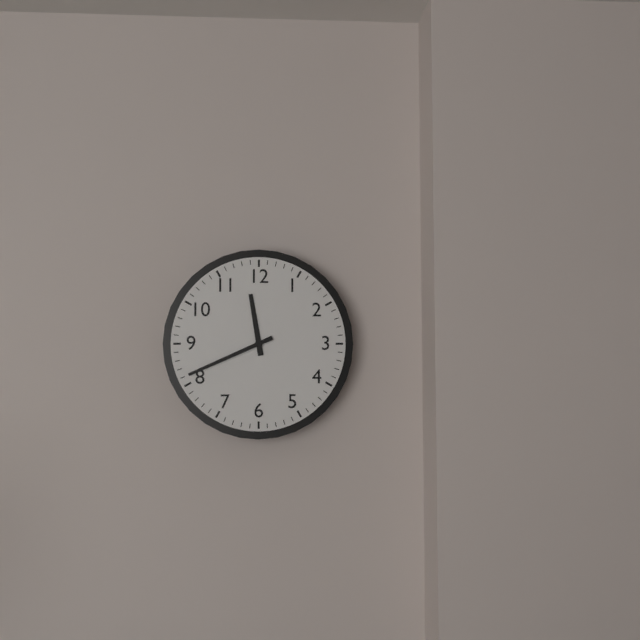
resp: 11h41
